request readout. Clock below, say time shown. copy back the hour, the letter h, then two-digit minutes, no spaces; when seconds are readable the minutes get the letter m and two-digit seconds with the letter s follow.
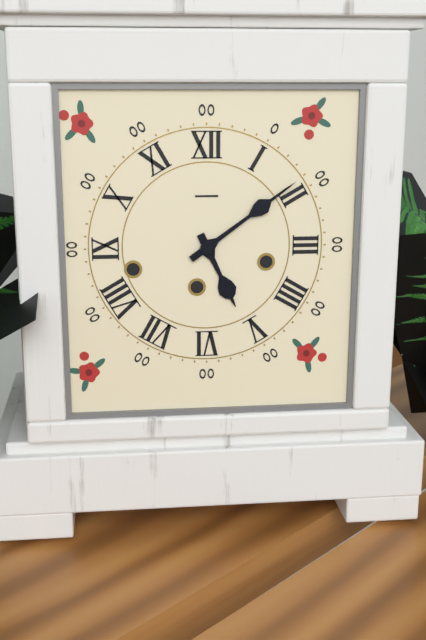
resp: 5h09
